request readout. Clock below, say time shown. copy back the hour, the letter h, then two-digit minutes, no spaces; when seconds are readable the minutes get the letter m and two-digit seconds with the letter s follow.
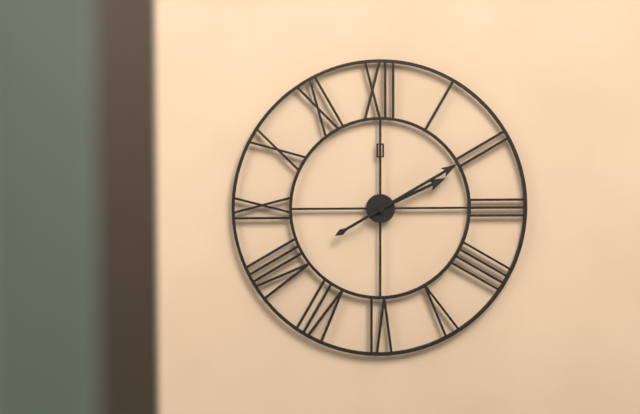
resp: 2h10
